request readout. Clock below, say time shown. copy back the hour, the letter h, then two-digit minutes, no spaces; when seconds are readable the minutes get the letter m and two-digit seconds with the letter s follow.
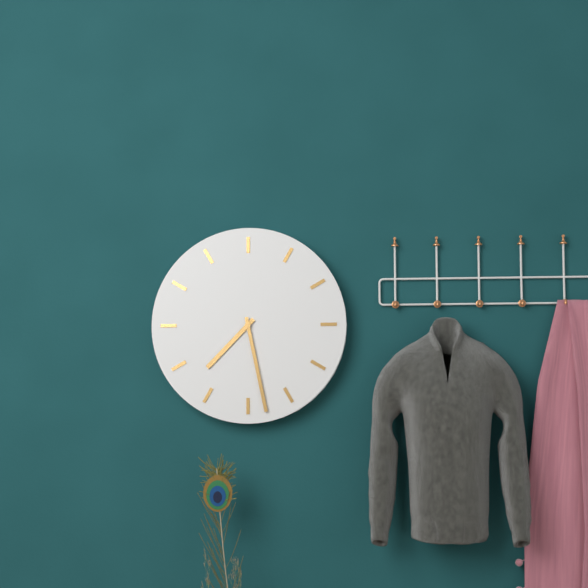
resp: 7h28
